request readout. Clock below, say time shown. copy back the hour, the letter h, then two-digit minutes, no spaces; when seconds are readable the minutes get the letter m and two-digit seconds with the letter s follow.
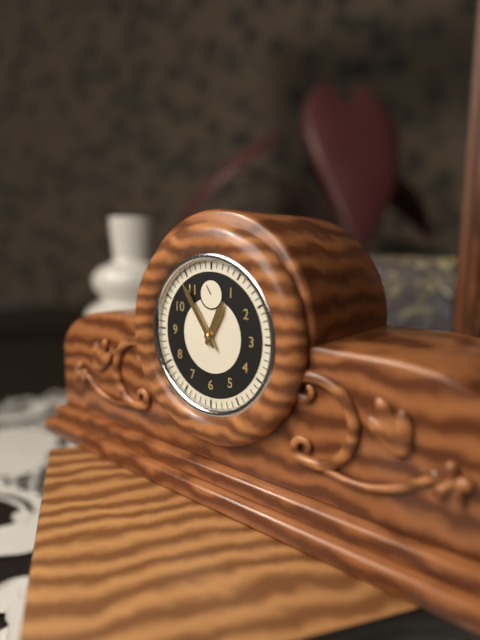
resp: 12h54
